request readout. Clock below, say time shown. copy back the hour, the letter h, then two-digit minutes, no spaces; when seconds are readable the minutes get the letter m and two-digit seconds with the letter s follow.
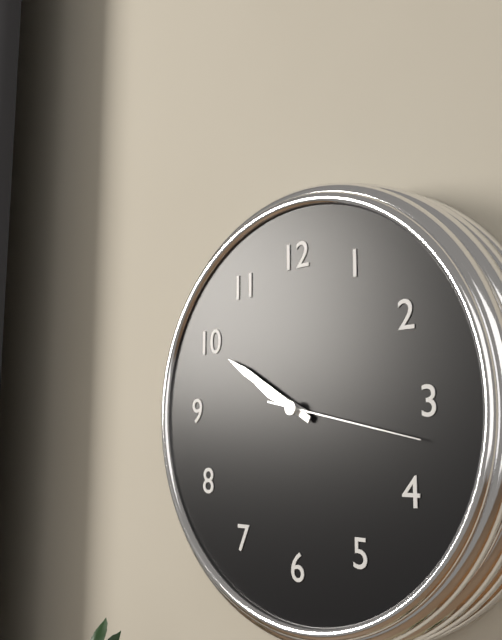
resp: 9h50m17s
